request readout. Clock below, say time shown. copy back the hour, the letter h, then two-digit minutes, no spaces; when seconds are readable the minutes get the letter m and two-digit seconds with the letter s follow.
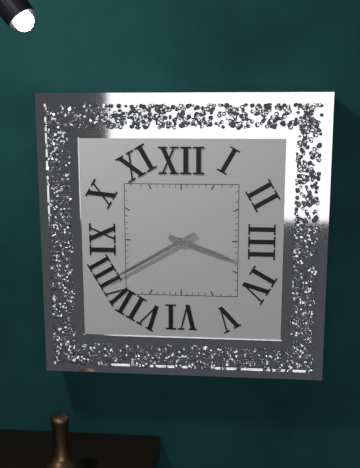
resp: 3h40
